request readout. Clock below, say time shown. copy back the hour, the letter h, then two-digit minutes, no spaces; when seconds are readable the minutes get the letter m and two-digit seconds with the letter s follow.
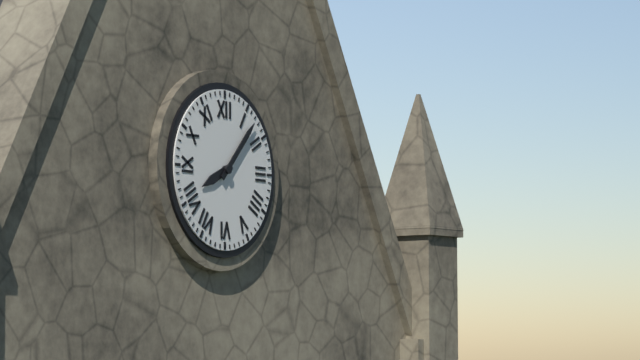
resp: 8h07
